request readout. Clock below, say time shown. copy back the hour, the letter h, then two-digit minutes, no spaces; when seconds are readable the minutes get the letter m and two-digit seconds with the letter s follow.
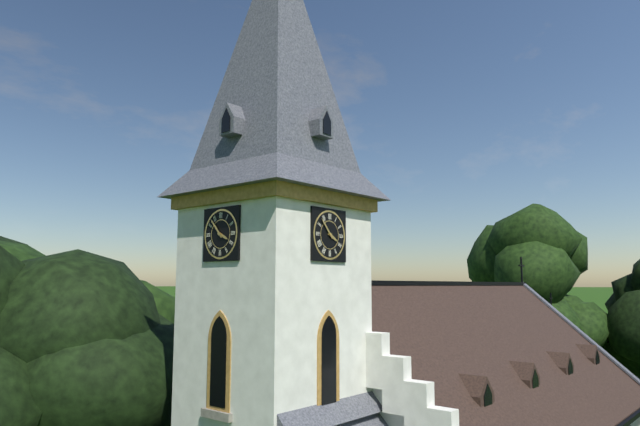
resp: 3h53
